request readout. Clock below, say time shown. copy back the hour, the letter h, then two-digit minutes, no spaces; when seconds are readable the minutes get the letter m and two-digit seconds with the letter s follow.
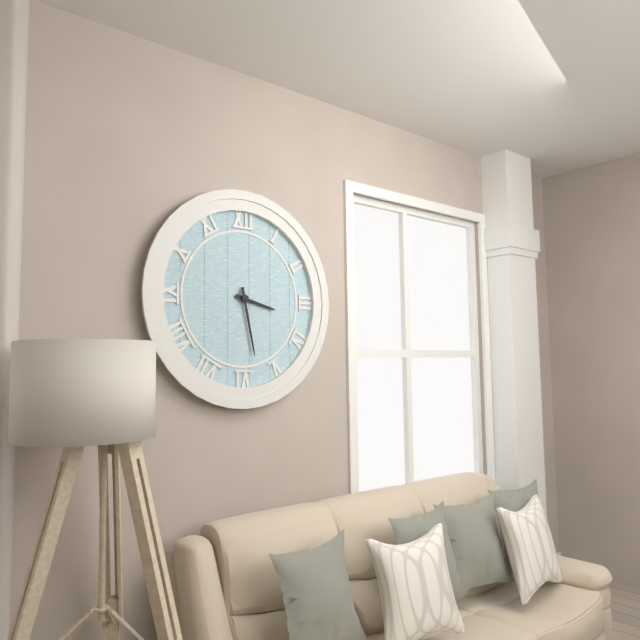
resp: 3h28
